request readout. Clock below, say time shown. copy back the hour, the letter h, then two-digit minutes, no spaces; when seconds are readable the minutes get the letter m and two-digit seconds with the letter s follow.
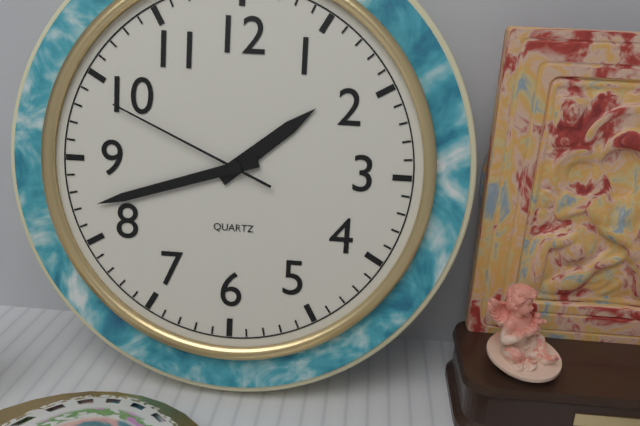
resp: 1h42m49s
